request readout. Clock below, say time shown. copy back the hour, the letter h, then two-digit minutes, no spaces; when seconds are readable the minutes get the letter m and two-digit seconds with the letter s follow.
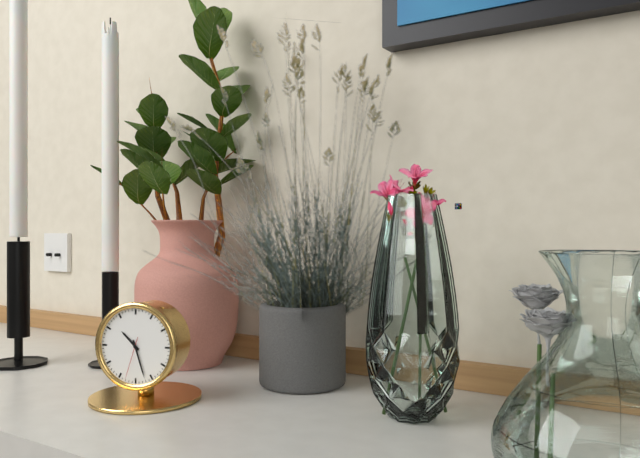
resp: 10h27
